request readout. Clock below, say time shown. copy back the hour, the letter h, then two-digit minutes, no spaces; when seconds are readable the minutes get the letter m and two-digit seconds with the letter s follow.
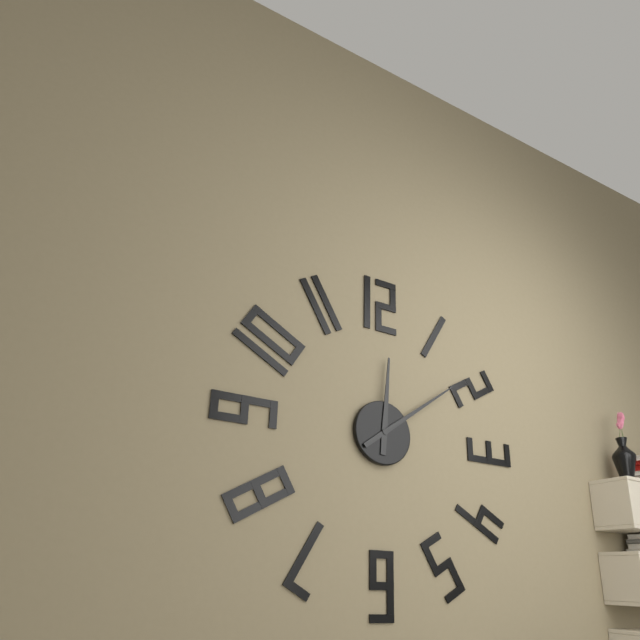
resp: 12h09
